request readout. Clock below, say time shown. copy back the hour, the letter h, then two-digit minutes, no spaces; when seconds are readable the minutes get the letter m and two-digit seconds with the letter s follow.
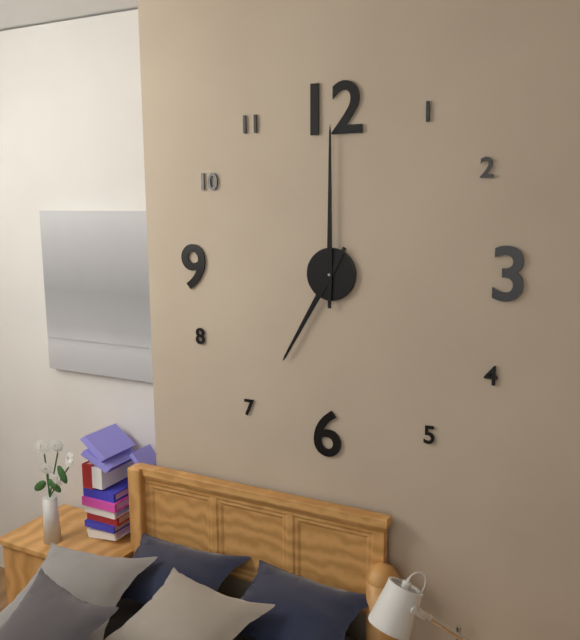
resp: 7h00
